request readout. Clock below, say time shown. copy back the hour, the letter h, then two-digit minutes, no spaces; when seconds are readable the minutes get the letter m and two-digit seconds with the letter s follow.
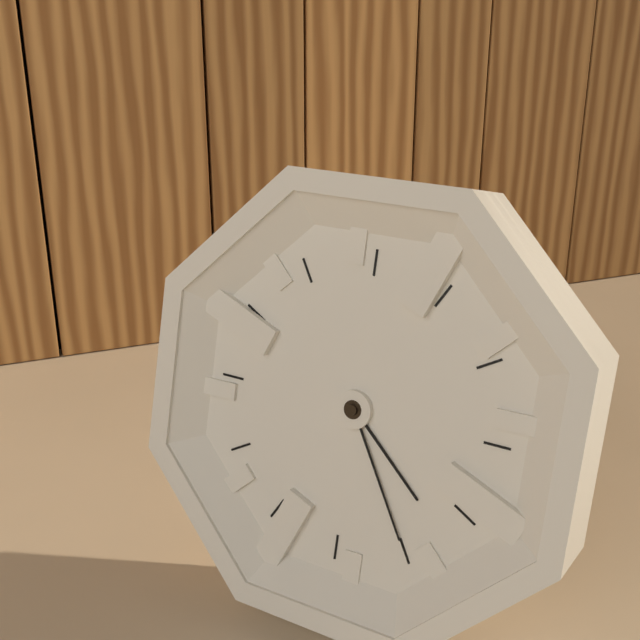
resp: 4h25
